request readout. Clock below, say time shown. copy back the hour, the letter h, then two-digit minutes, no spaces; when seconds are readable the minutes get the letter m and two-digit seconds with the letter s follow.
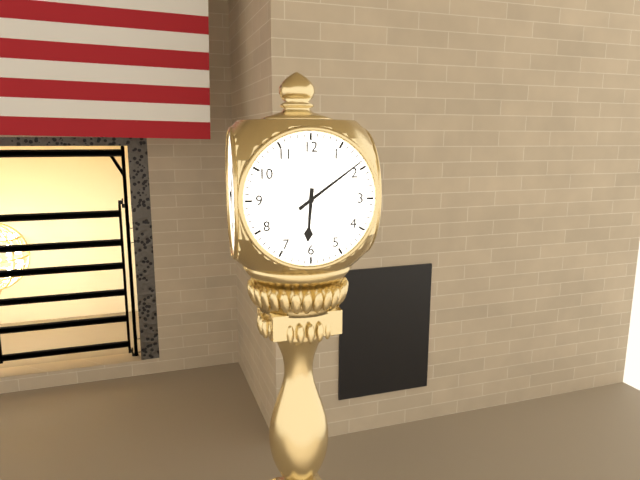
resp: 6h09
